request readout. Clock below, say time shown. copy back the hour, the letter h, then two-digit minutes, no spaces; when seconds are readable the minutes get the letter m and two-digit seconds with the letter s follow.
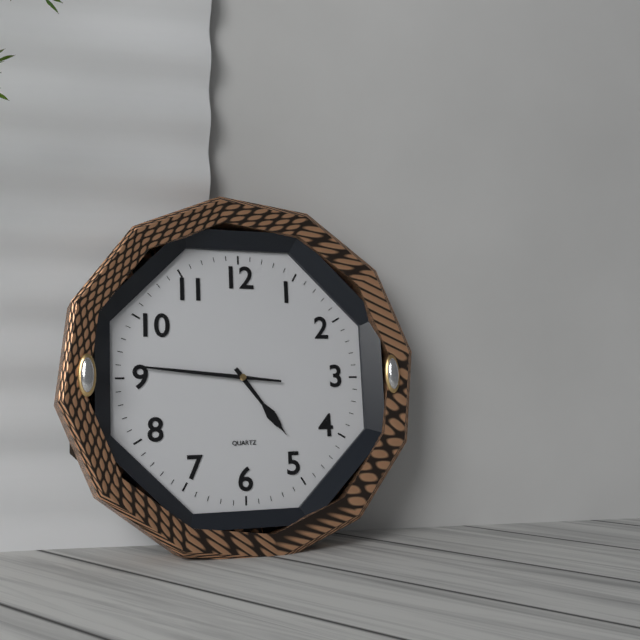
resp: 4h46
